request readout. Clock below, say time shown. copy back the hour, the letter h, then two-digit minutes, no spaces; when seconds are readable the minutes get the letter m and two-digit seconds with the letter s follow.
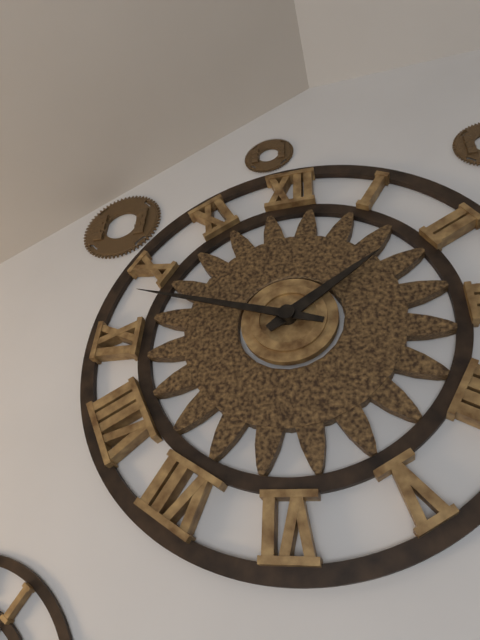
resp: 1h48
